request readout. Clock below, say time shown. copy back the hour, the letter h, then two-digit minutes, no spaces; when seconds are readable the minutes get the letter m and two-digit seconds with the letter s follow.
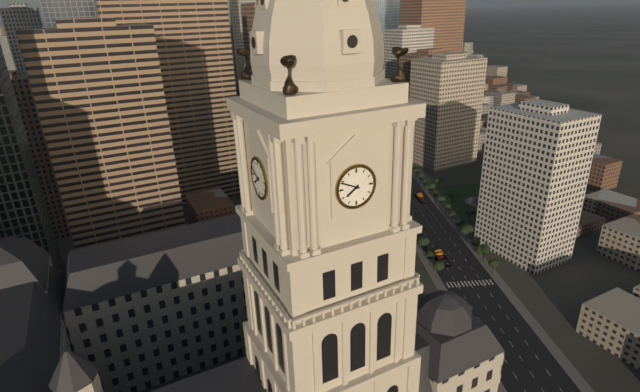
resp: 7h49
